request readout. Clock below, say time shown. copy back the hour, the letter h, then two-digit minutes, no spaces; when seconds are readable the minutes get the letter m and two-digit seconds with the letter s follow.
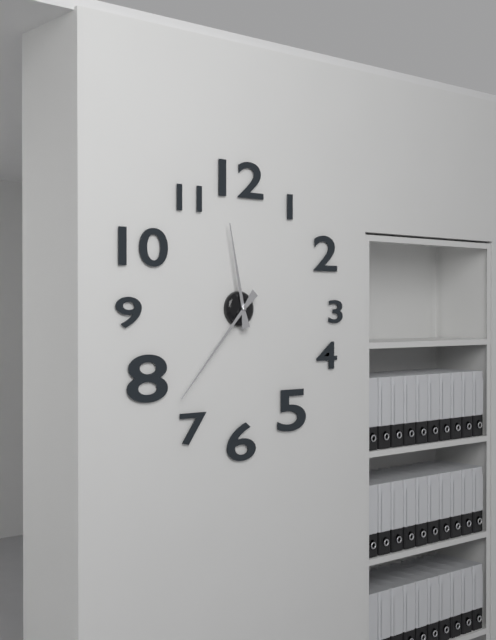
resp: 11h37
